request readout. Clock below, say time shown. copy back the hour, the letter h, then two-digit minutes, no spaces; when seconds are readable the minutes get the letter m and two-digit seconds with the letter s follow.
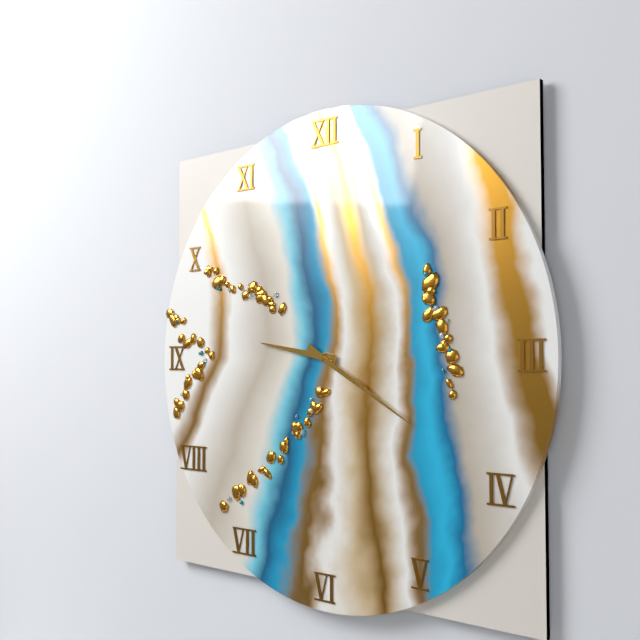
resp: 9h20
